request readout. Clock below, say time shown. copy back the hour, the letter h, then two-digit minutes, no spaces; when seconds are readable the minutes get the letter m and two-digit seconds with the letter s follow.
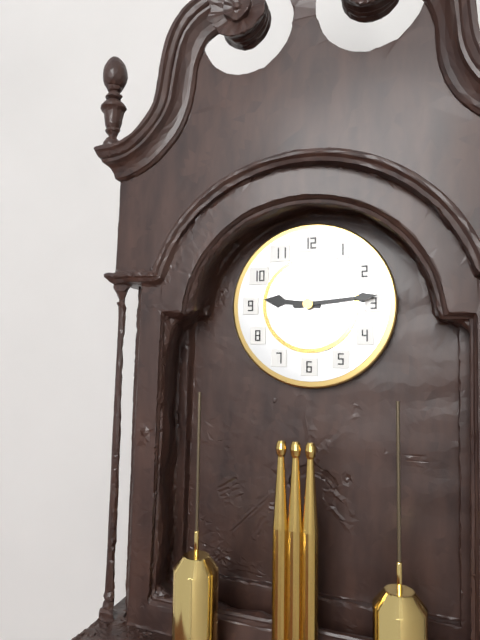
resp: 9h14
